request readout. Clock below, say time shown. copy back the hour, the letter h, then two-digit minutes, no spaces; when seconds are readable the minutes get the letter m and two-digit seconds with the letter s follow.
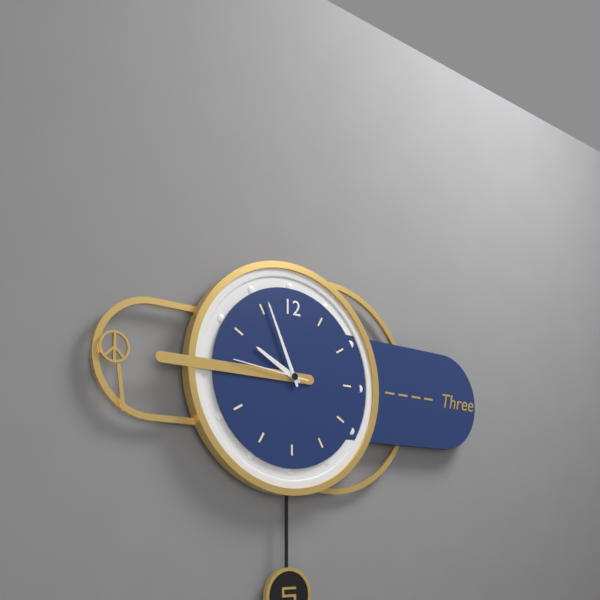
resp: 9h56m46s
